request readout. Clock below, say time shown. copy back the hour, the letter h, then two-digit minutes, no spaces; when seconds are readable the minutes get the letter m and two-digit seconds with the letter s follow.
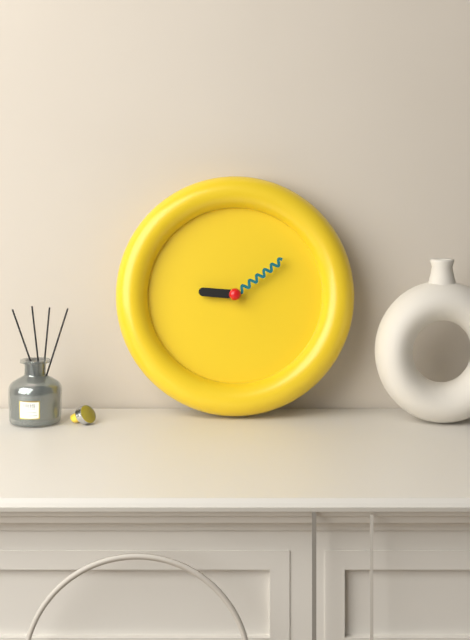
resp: 9h09
